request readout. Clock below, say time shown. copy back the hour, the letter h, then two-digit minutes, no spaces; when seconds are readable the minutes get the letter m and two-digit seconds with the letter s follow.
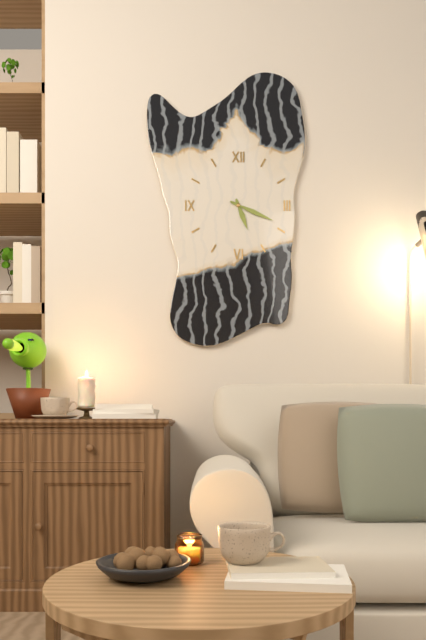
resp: 5h19
